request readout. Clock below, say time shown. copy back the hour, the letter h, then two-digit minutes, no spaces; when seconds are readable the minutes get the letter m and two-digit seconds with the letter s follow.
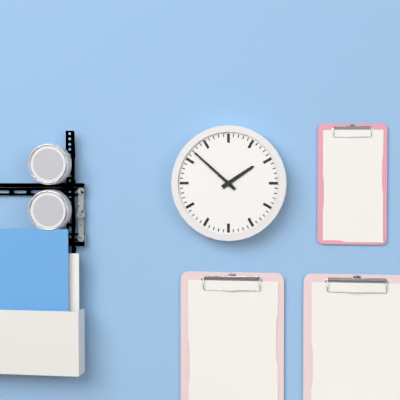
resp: 1h52
